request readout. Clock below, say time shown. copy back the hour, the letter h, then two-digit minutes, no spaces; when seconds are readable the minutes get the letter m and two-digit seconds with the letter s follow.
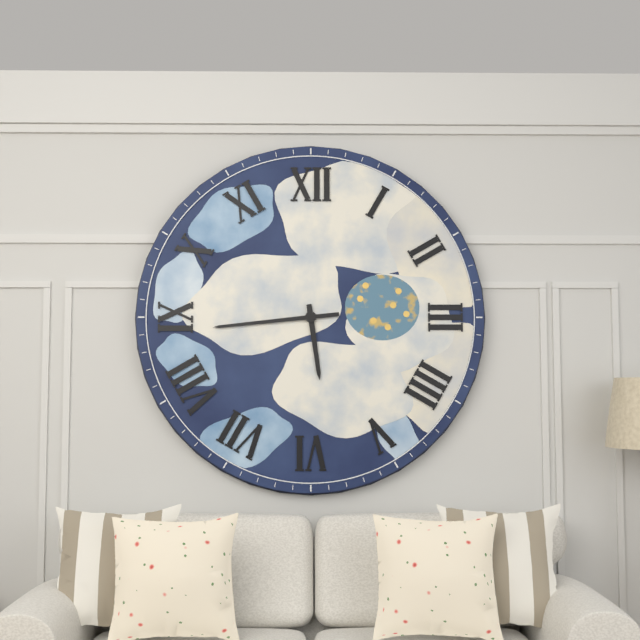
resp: 5h44
